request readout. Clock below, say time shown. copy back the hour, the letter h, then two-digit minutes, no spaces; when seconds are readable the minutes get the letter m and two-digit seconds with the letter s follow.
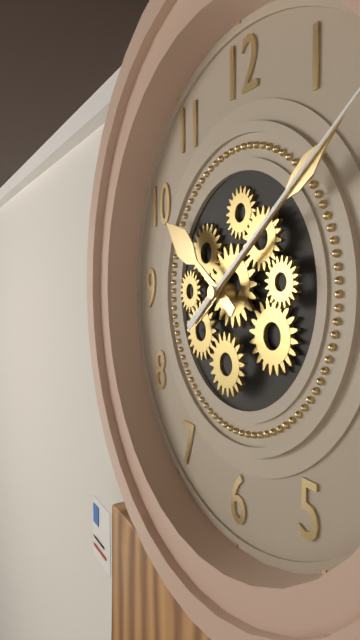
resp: 10h09
